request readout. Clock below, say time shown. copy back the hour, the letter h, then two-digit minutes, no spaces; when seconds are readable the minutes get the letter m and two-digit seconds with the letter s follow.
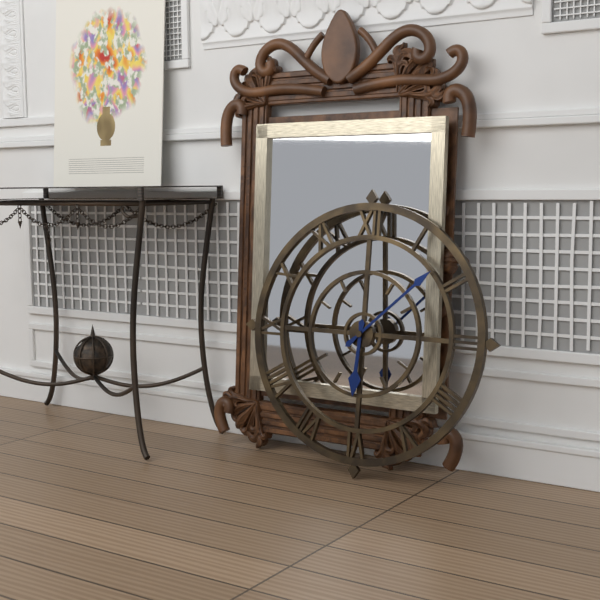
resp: 6h08
